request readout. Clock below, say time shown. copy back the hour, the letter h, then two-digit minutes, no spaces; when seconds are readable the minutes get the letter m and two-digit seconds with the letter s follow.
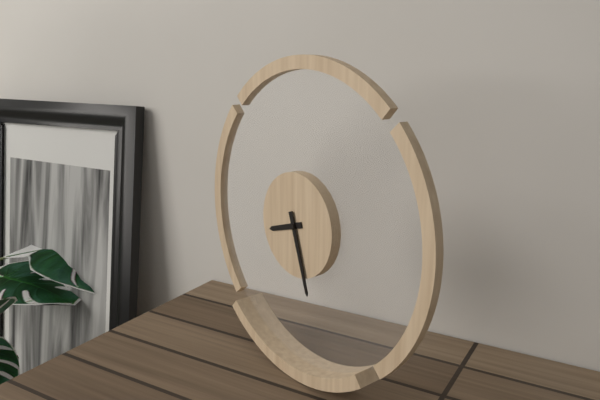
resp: 8h27
